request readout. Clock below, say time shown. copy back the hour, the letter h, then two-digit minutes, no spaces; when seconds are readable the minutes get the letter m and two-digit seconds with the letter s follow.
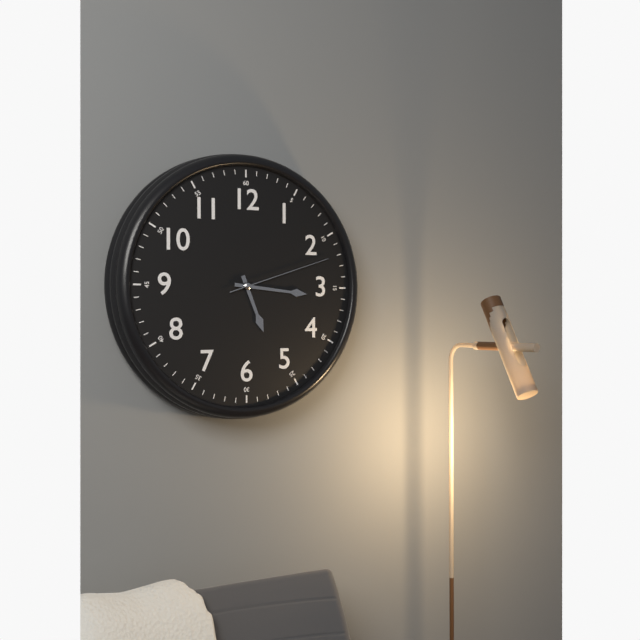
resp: 5h16m12s
